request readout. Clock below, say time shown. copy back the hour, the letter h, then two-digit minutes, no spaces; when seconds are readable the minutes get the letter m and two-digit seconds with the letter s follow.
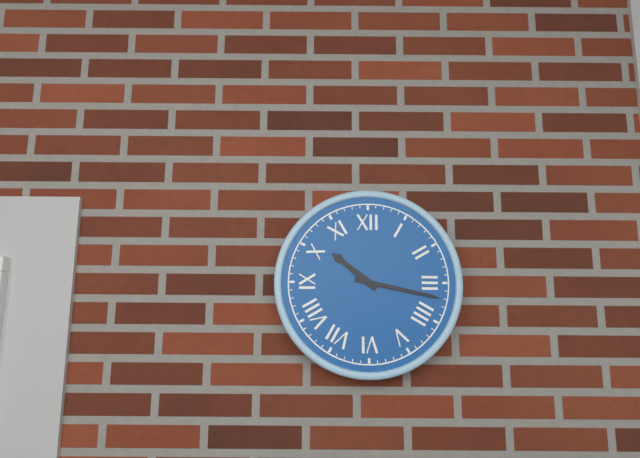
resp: 10h17
